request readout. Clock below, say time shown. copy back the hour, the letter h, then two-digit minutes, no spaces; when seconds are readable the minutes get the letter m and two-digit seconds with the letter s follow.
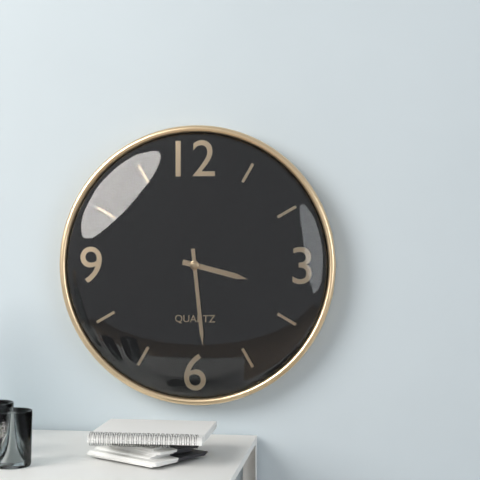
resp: 3h29
